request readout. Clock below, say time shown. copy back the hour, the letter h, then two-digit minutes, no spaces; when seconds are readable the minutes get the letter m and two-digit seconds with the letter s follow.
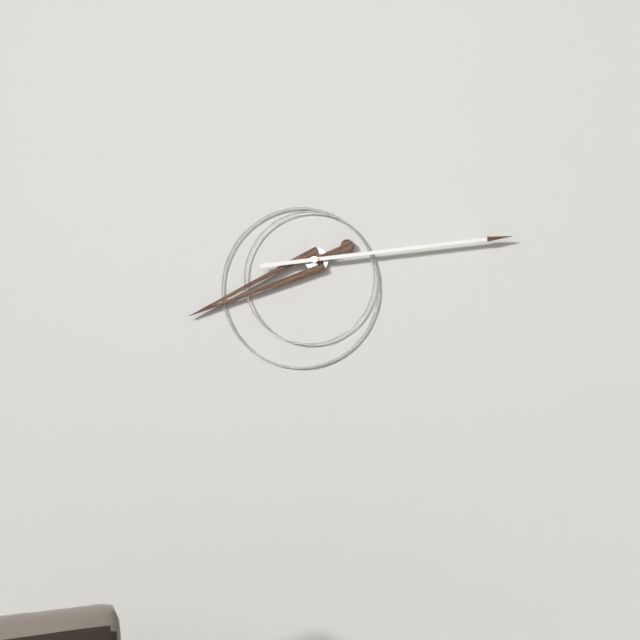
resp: 8h14
